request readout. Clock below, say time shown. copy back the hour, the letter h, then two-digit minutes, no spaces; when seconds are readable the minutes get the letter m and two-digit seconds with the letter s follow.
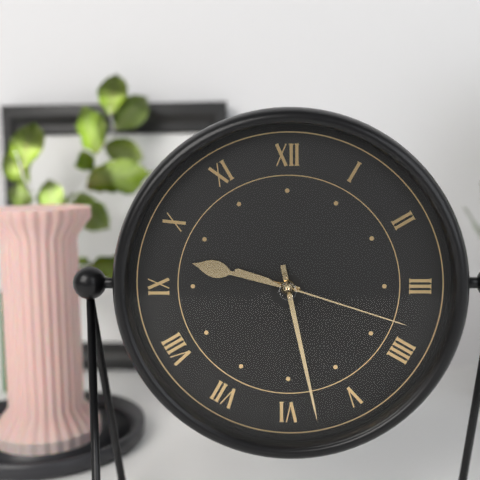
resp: 9h28m18s
